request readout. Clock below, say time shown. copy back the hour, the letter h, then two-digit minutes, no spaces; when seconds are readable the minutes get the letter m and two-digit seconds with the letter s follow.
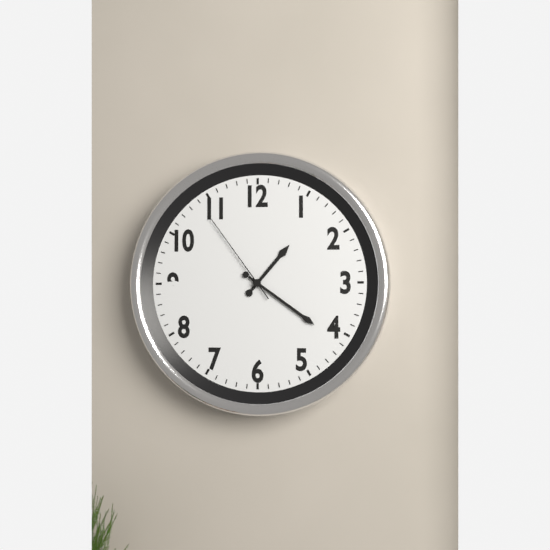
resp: 1h21m54s
